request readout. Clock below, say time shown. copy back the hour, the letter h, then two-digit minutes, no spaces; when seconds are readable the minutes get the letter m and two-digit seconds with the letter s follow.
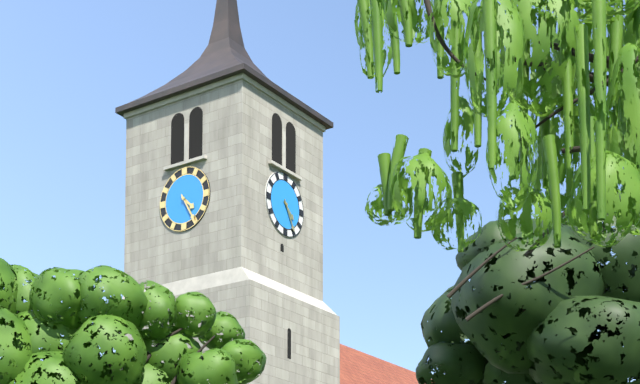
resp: 4h25
